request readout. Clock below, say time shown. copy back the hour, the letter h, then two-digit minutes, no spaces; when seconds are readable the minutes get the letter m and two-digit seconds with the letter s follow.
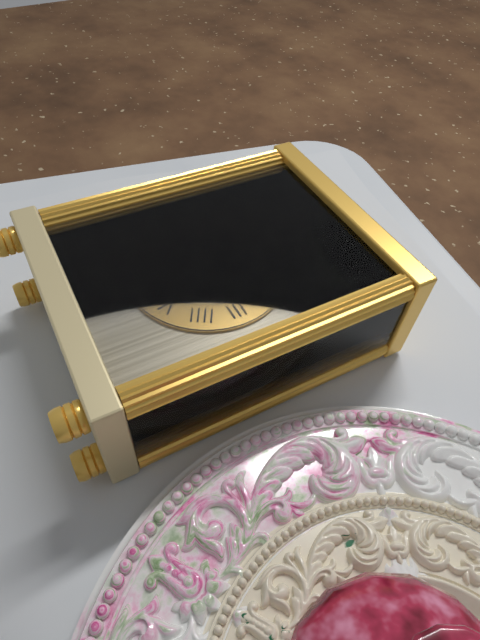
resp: 10h43
